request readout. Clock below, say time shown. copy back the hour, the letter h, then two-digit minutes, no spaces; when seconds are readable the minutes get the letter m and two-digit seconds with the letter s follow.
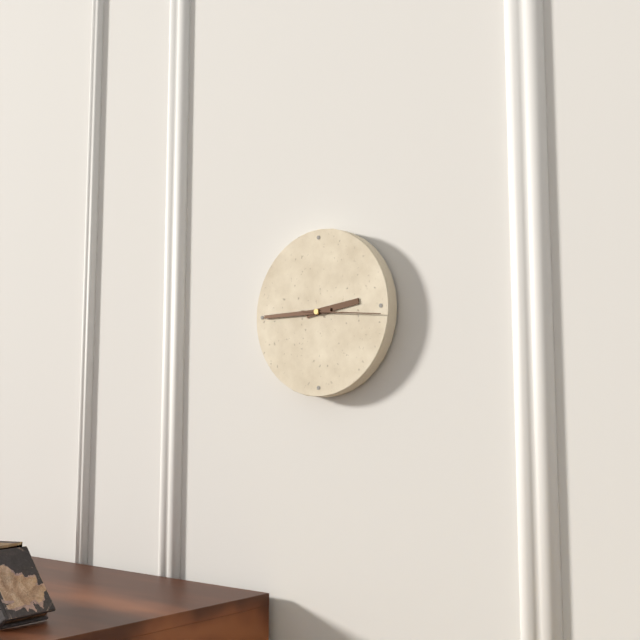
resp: 2h45m16s
